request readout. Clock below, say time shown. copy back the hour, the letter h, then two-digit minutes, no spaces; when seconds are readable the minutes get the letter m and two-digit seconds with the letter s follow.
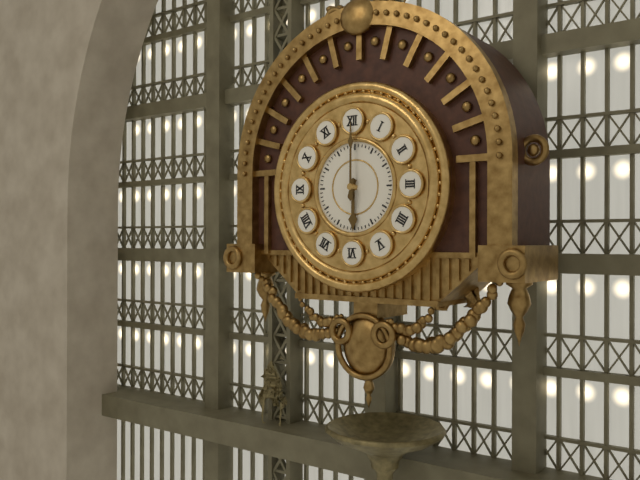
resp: 6h00
